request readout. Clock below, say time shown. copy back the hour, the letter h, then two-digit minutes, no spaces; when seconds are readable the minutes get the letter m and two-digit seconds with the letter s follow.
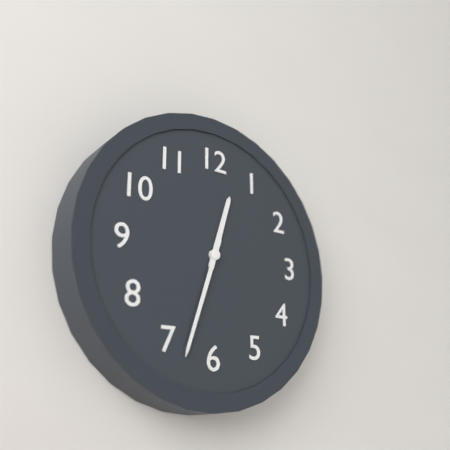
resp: 12h33
